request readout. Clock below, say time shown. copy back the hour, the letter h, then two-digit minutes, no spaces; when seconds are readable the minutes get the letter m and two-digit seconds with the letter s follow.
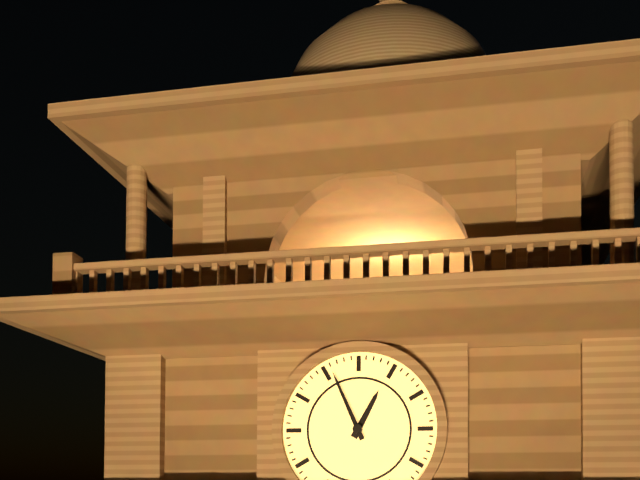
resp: 12h56
